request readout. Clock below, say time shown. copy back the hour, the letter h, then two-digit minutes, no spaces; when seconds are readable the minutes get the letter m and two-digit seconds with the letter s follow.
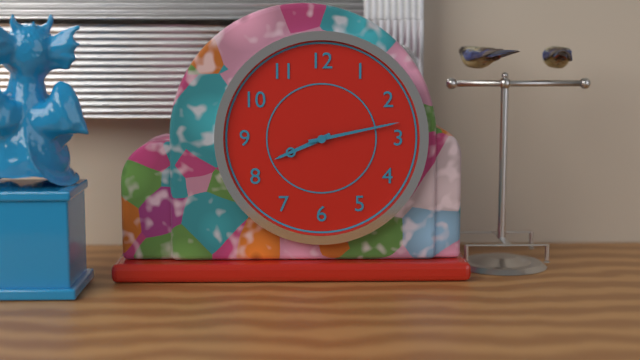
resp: 8h13
